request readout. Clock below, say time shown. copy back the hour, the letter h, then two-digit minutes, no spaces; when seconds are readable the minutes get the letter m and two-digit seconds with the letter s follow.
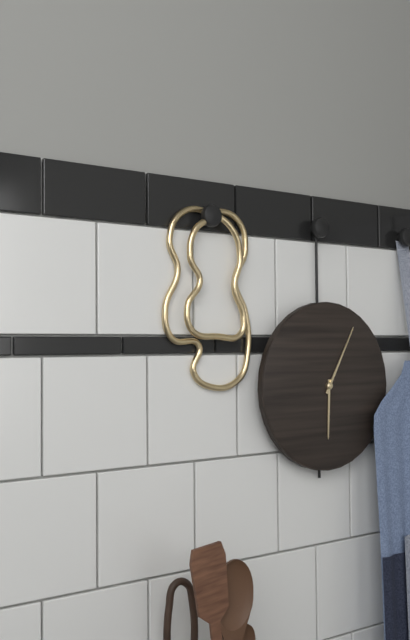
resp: 6h05
